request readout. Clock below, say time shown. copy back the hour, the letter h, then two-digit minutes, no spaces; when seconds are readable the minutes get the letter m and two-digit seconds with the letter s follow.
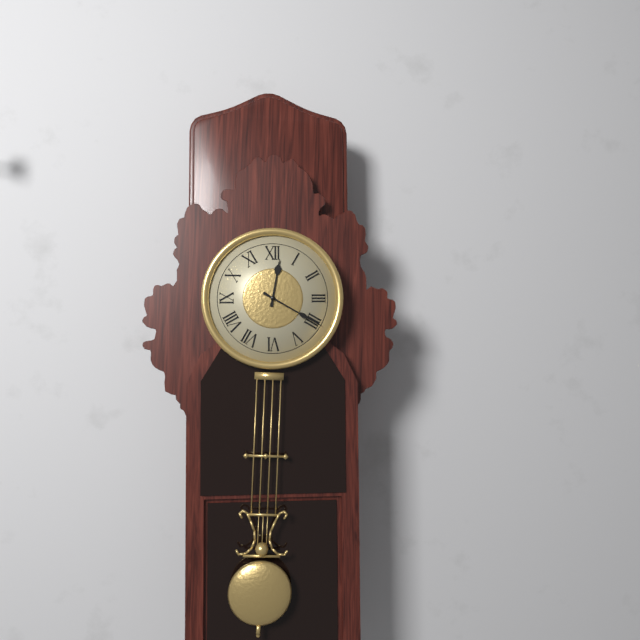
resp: 12h20
